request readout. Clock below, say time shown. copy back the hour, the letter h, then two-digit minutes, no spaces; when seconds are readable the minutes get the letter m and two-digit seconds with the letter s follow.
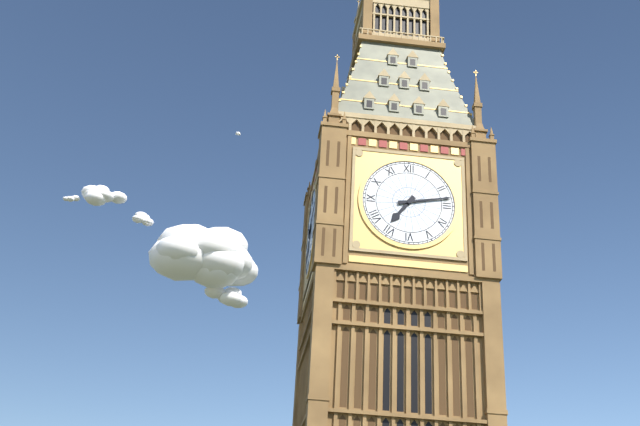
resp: 7h13
